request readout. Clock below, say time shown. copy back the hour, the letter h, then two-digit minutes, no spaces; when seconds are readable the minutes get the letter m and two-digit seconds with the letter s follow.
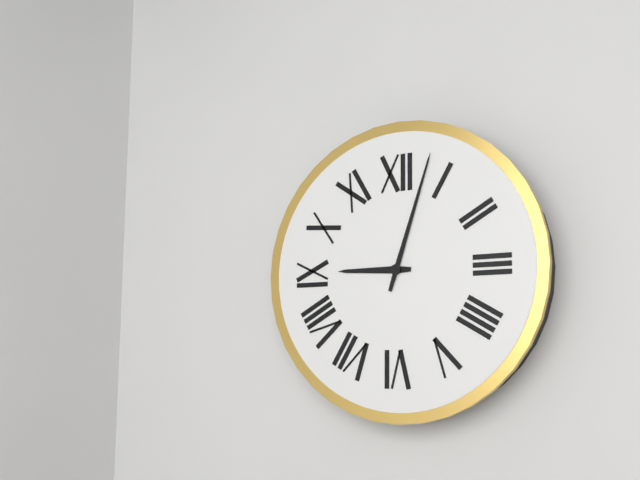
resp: 9h03
